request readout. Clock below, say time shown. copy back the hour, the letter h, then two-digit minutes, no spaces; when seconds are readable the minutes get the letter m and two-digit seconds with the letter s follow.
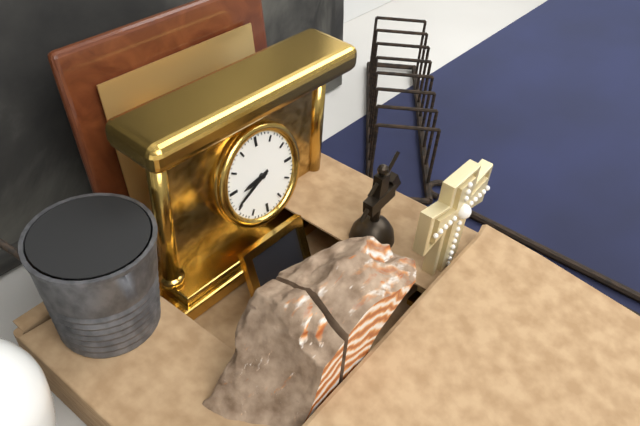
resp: 8h41
